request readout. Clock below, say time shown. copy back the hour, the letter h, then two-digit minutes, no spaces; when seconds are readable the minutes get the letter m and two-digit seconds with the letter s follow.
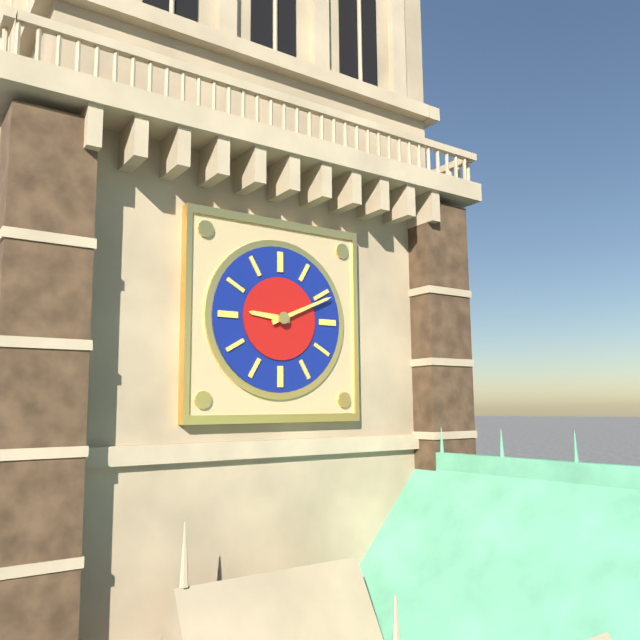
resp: 9h11
